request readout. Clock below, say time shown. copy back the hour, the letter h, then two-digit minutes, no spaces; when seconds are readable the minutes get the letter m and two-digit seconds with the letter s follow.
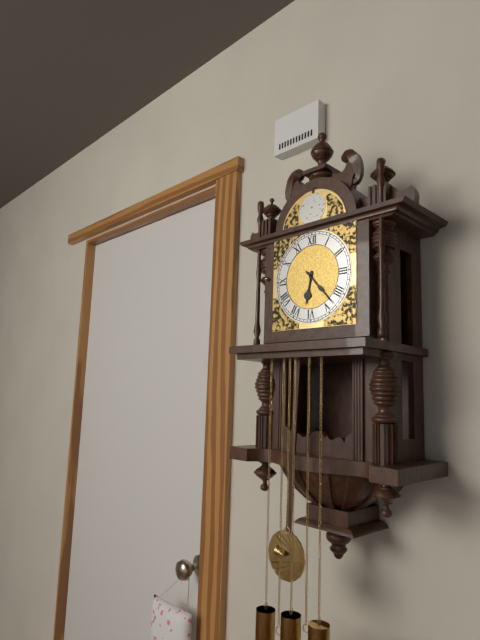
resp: 6h23
